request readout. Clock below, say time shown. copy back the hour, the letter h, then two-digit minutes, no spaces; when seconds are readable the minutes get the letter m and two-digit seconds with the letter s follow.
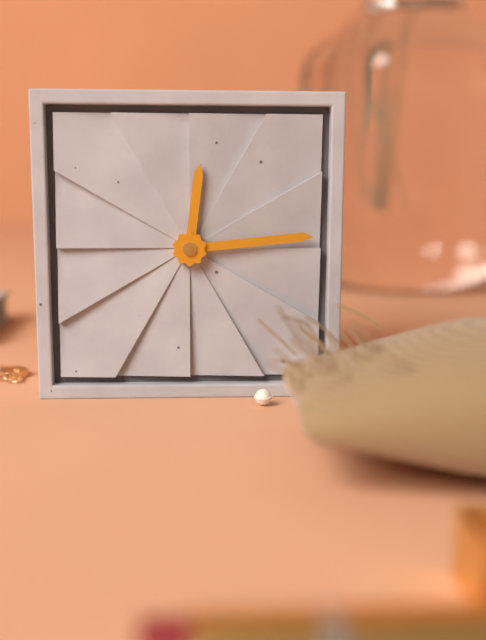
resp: 12h14
